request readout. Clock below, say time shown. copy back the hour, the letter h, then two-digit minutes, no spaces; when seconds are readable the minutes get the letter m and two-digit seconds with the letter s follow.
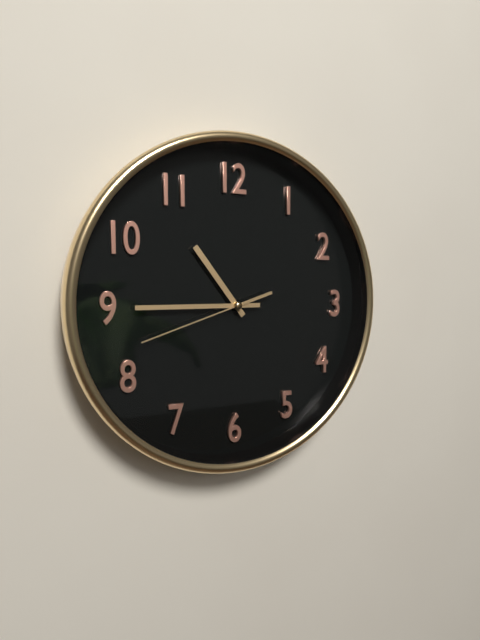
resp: 10h45m42s
